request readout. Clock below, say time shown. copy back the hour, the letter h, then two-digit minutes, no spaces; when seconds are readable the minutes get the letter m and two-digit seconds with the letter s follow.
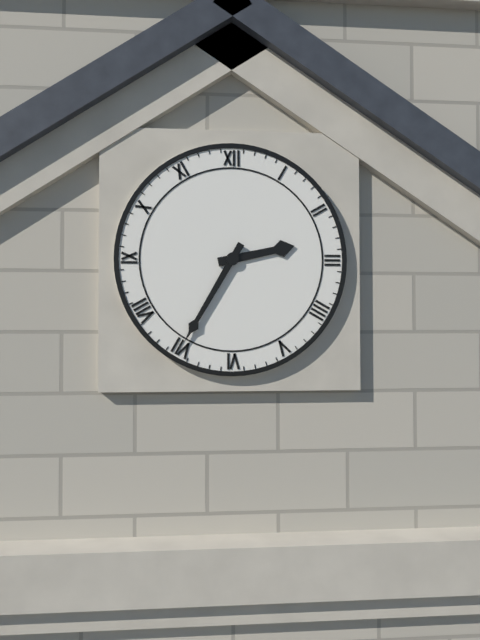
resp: 2h35
